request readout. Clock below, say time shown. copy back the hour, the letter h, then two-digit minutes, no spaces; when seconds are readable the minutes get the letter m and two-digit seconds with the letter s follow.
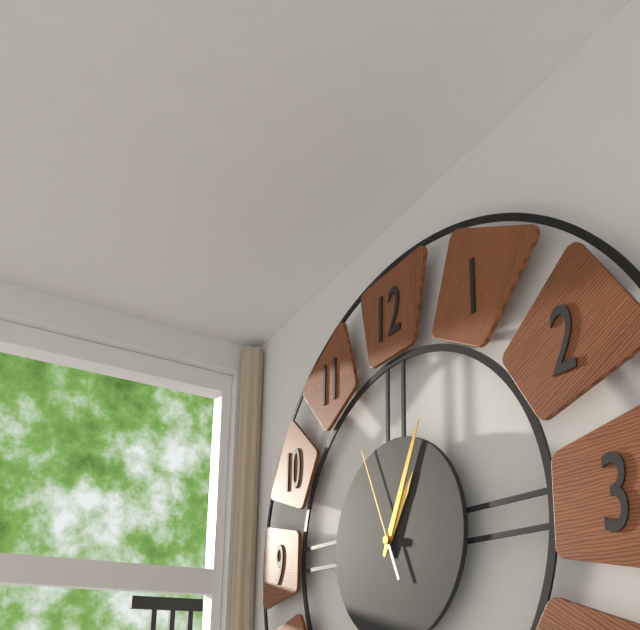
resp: 1h04m56s
